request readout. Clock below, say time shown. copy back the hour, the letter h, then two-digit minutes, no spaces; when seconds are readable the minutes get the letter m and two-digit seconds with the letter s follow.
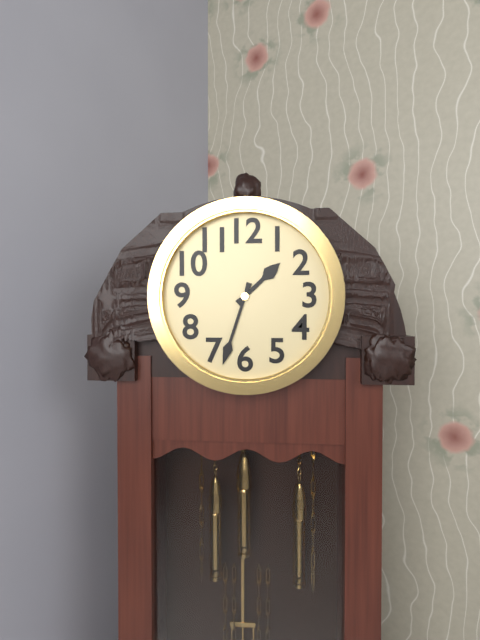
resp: 1h33
